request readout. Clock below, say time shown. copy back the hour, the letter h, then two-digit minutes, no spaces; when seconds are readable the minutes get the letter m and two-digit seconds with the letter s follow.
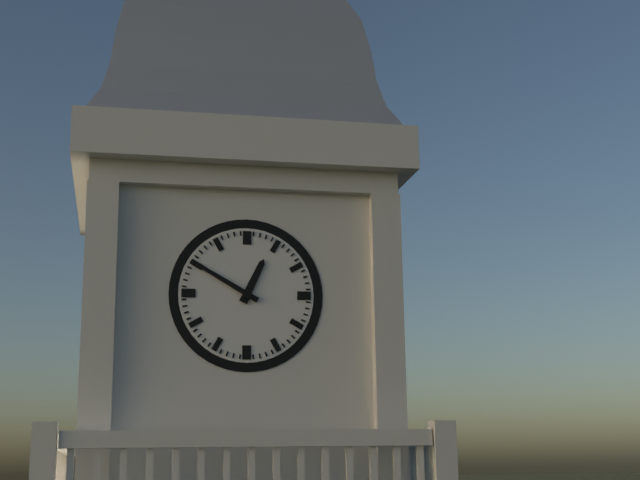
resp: 12h50
